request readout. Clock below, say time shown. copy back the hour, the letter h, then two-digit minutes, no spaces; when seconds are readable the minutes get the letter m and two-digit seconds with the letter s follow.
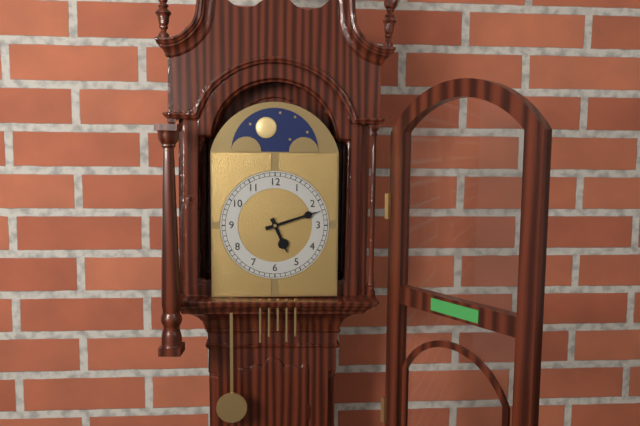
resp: 5h12
